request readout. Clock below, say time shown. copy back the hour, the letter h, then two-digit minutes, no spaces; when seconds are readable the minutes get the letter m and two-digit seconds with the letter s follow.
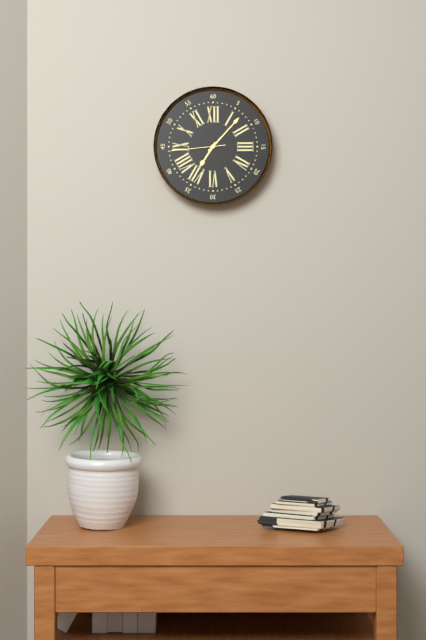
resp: 7h07m44s
